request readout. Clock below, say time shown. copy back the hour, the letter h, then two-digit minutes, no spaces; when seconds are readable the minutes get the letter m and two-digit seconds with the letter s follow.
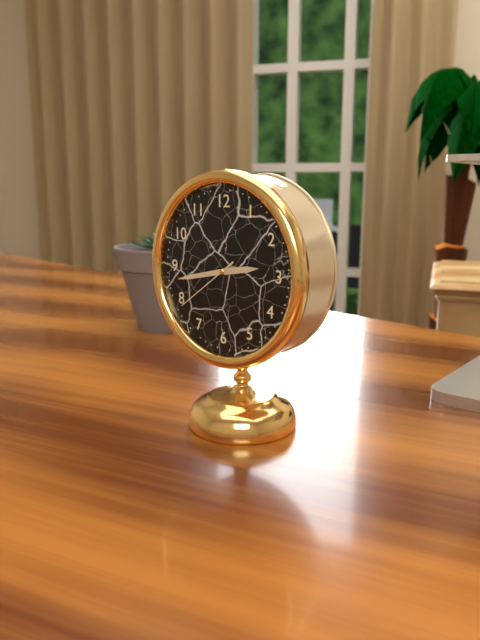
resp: 2h43m39s
